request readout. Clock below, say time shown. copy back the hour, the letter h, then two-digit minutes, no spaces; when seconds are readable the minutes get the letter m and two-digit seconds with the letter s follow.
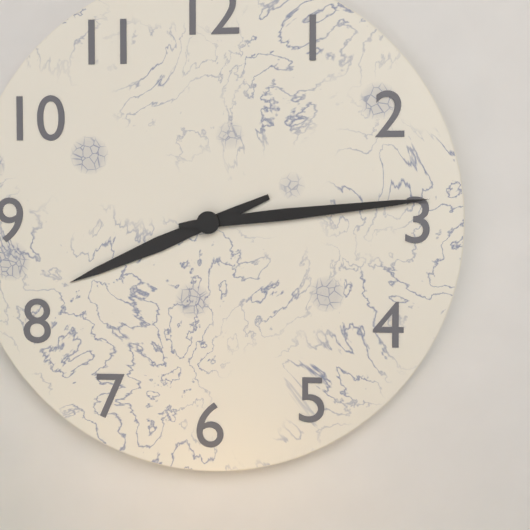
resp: 8h14
